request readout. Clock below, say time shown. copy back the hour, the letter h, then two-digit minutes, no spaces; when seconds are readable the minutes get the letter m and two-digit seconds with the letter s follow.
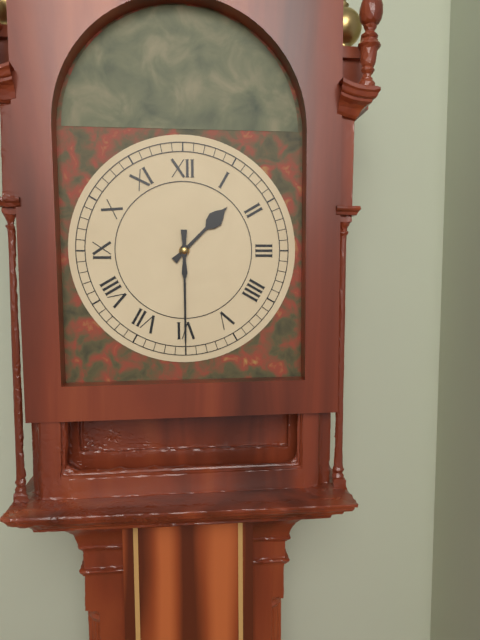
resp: 1h30
